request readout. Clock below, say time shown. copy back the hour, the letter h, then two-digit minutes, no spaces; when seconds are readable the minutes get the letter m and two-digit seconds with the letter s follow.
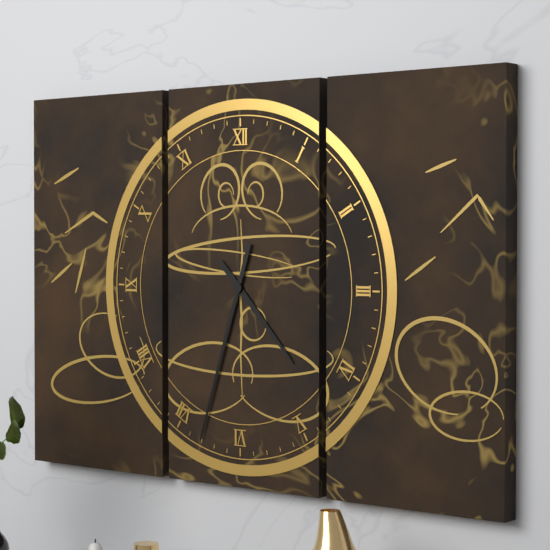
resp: 4h33
